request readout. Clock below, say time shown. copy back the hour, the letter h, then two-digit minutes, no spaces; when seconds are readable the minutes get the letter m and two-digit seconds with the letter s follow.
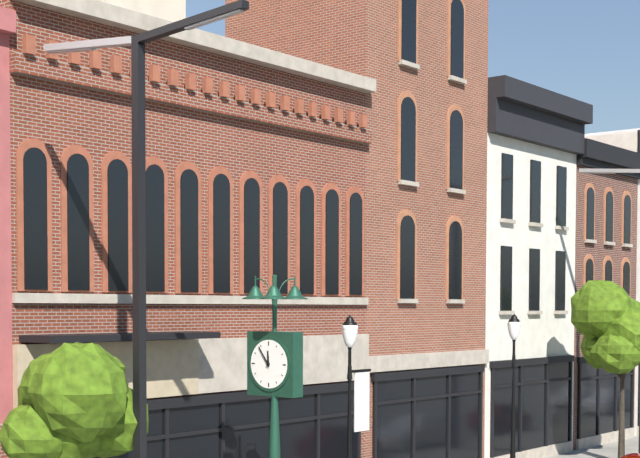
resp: 11h54
